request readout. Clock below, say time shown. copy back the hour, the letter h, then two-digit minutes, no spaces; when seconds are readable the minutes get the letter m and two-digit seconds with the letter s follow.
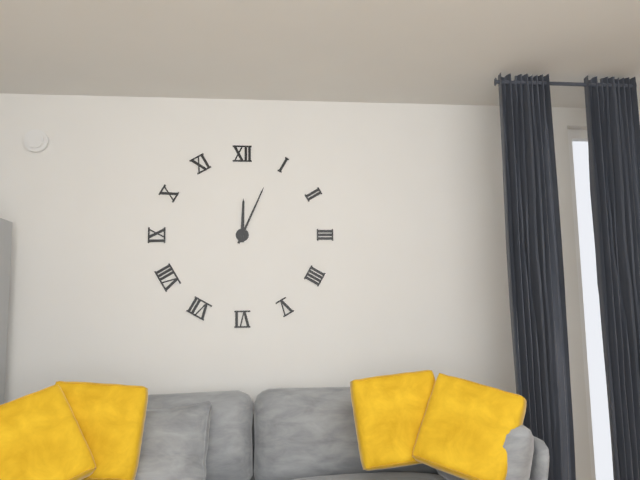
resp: 12h04
